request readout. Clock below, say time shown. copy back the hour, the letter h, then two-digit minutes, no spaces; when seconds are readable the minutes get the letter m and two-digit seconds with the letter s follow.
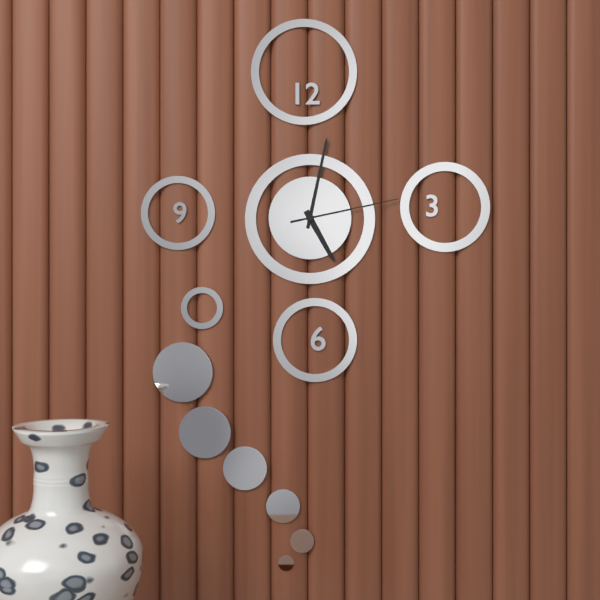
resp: 5h02m13s
